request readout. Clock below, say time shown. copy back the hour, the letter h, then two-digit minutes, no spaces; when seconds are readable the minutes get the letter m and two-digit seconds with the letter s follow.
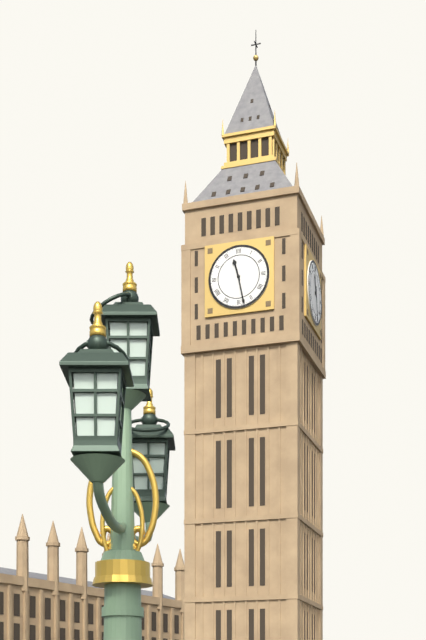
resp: 11h28
